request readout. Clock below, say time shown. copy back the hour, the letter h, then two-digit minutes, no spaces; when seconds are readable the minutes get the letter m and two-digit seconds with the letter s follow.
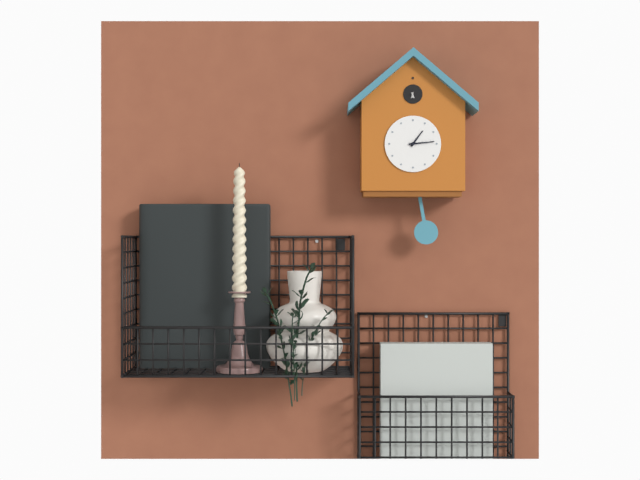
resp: 1h14
